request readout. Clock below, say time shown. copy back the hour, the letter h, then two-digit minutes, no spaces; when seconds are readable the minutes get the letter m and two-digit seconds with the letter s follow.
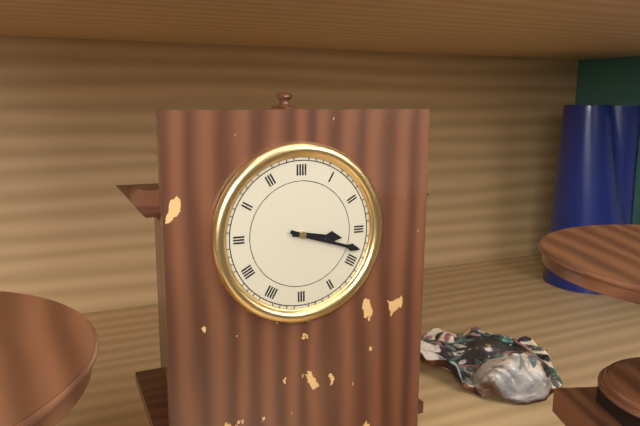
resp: 3h18
